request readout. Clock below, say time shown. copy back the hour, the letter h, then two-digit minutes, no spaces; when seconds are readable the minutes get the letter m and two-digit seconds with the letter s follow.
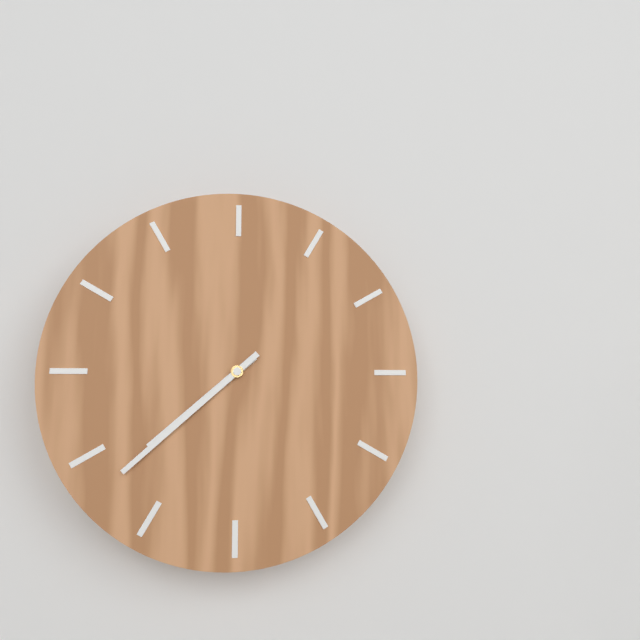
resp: 7h38
